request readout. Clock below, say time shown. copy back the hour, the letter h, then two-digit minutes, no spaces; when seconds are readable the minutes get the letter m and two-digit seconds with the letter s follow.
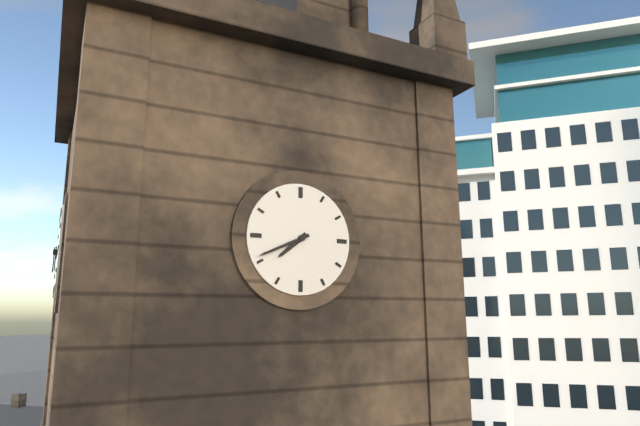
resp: 7h41
